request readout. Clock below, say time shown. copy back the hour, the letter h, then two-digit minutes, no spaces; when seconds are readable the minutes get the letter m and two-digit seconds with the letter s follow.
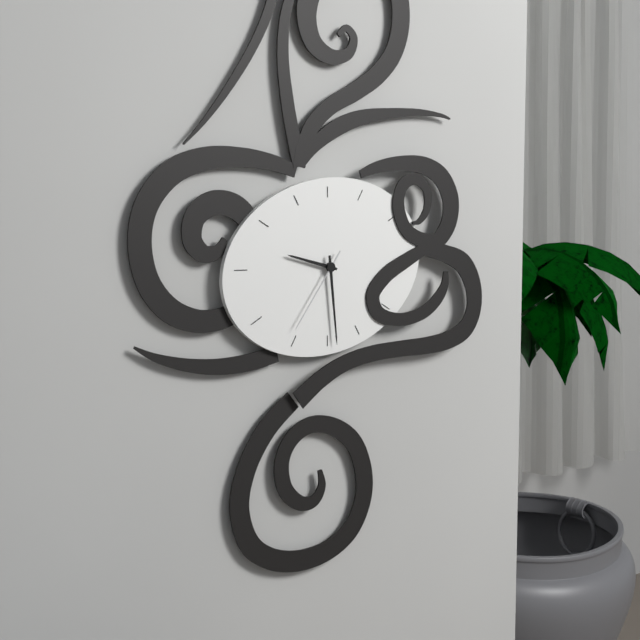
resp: 9h29m36s
